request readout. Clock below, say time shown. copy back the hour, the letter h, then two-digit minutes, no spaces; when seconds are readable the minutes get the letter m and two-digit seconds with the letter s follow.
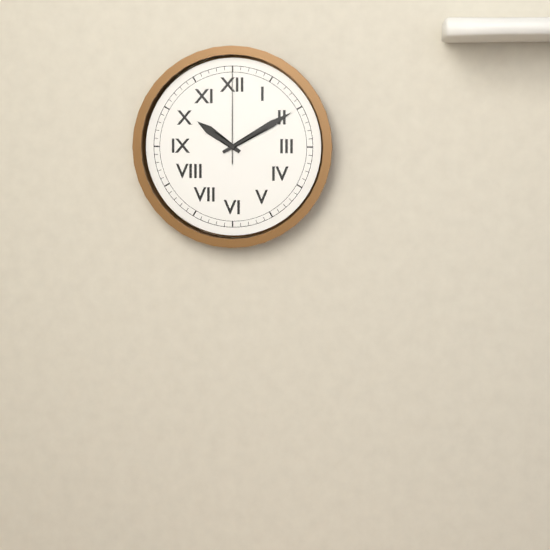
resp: 10h10m00s
